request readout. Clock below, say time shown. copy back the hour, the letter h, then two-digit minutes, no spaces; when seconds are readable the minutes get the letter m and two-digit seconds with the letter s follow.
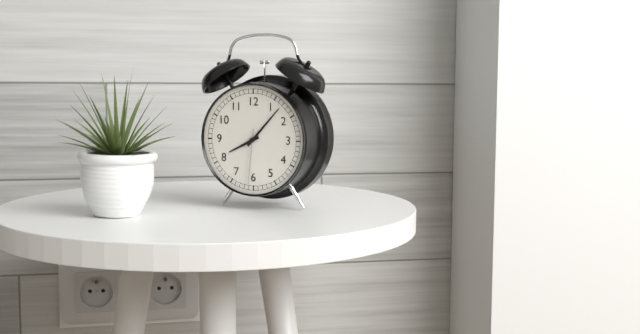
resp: 8h07m31s
